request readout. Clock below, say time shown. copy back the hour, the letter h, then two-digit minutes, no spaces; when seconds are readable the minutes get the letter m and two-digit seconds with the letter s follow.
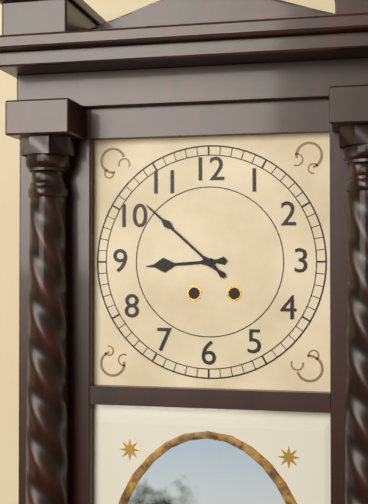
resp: 8h52
